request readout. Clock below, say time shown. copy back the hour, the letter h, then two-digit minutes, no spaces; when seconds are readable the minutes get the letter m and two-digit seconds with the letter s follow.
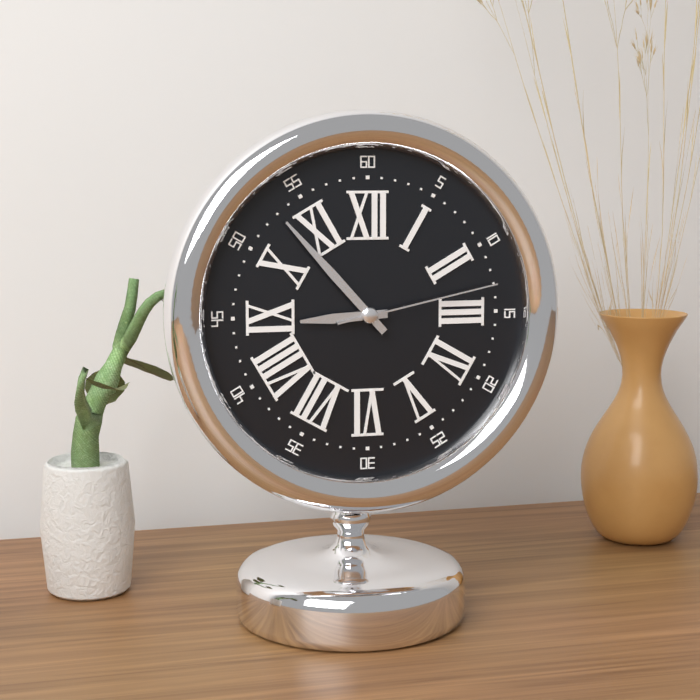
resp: 8h53m13s
